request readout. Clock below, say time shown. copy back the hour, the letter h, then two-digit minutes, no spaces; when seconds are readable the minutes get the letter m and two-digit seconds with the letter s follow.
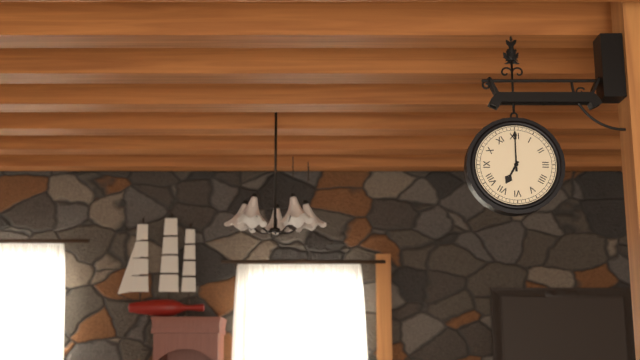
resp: 7h00
